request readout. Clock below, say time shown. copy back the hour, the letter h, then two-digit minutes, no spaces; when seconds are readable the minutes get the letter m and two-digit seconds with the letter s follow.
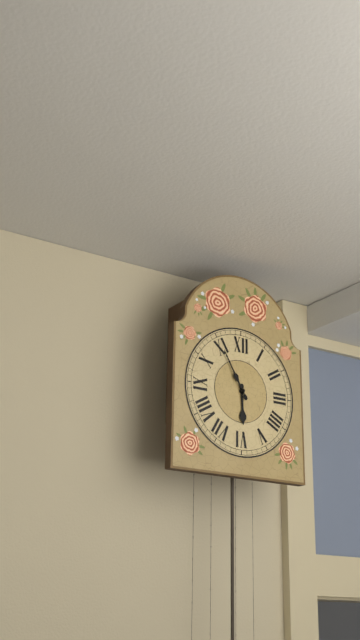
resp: 5h55
